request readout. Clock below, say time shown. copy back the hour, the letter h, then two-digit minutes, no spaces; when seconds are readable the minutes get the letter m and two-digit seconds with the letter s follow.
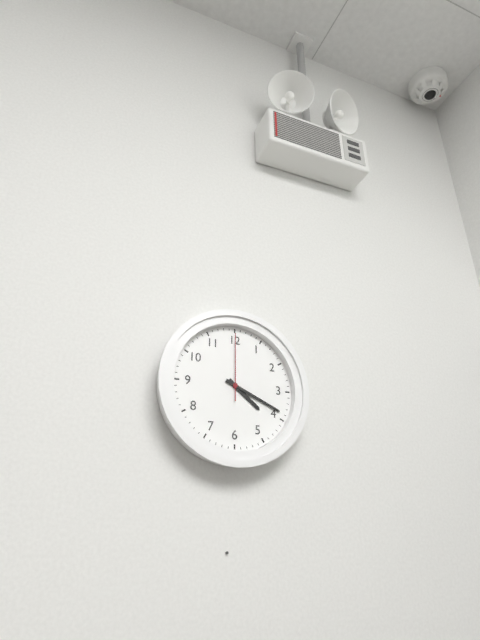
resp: 4h19m00s
